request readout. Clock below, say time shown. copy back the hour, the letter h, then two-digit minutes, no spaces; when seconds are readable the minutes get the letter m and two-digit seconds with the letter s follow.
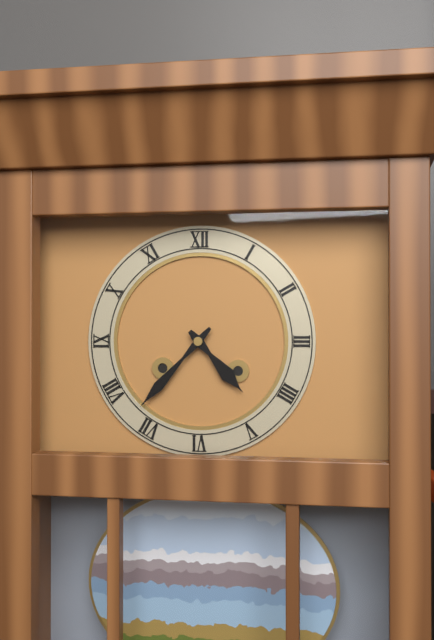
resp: 4h37
